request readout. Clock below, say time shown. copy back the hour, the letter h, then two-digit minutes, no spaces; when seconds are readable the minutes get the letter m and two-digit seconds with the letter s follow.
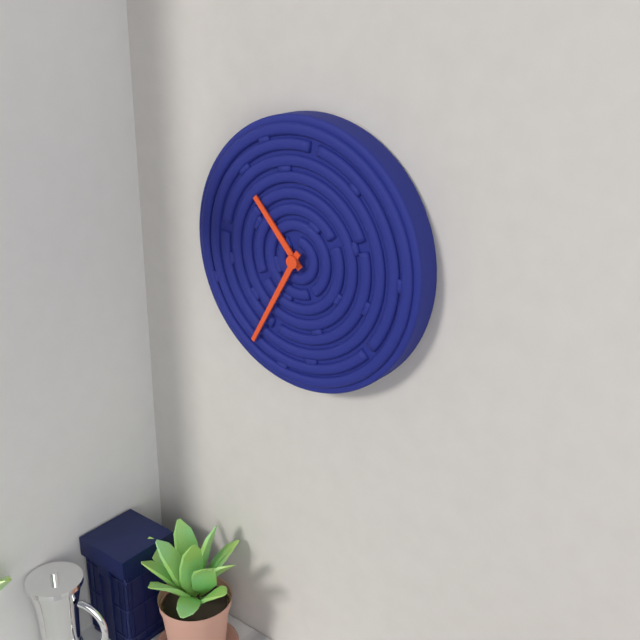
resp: 10h35
